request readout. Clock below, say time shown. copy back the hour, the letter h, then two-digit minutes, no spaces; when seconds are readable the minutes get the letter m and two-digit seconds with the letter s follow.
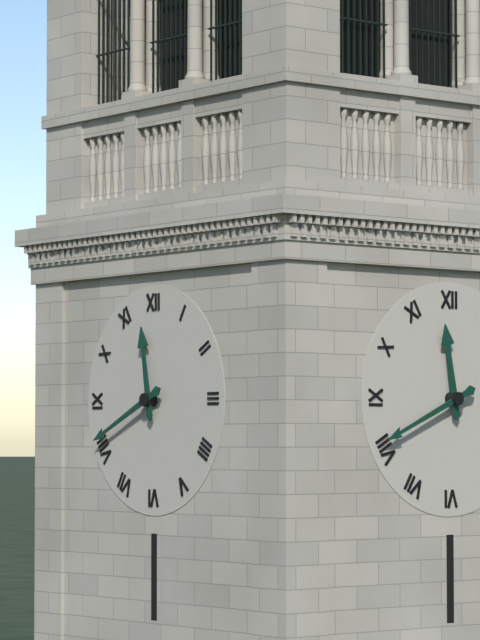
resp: 11h41
